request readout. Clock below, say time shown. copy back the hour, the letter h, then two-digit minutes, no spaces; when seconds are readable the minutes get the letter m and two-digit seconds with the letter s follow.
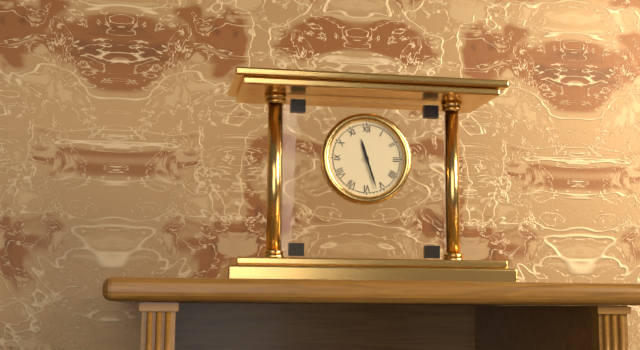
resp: 11h27
